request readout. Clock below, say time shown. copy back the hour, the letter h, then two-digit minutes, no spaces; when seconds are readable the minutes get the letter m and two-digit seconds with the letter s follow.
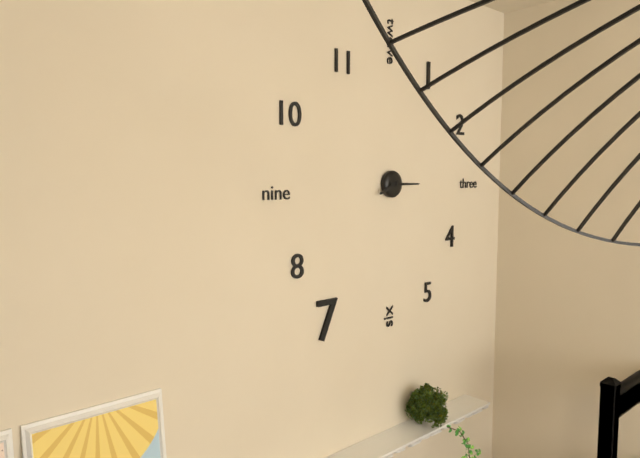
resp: 8h15
